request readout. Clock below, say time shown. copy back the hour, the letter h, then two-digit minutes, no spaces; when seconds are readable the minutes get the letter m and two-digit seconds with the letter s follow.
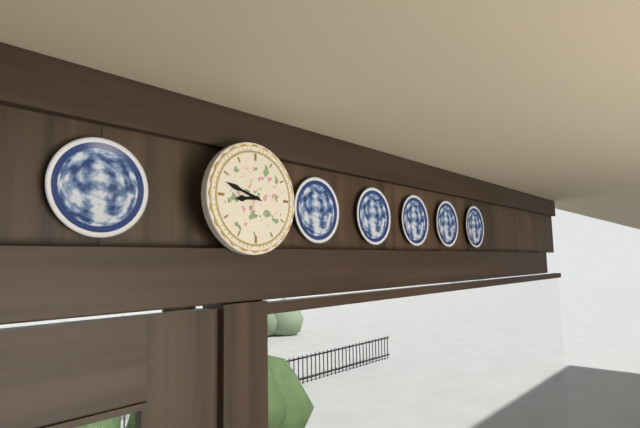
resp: 8h48
